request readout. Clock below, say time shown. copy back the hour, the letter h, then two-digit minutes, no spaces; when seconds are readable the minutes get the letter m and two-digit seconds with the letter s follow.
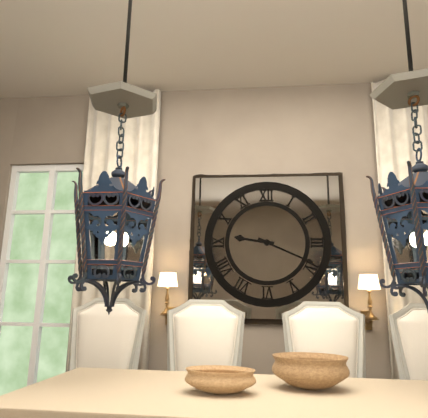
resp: 9h19
